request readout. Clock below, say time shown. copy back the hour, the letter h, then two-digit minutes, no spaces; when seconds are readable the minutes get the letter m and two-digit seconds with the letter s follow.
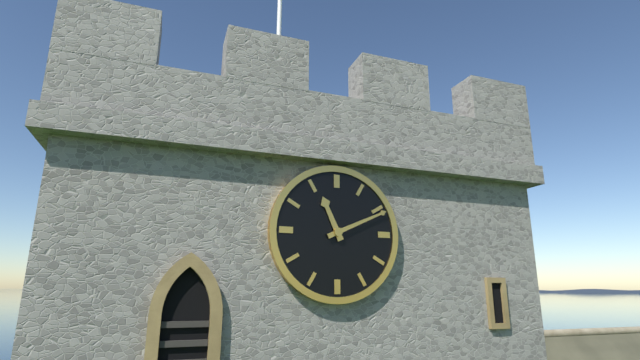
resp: 11h11
